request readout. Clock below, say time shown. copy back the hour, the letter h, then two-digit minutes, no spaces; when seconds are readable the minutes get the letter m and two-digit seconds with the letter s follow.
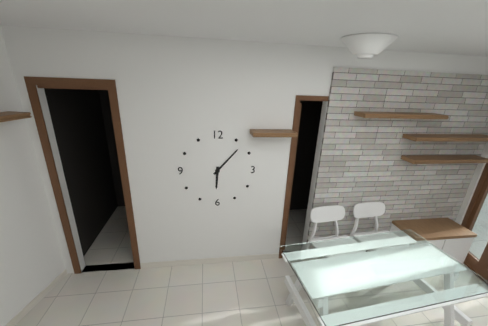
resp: 6h07
